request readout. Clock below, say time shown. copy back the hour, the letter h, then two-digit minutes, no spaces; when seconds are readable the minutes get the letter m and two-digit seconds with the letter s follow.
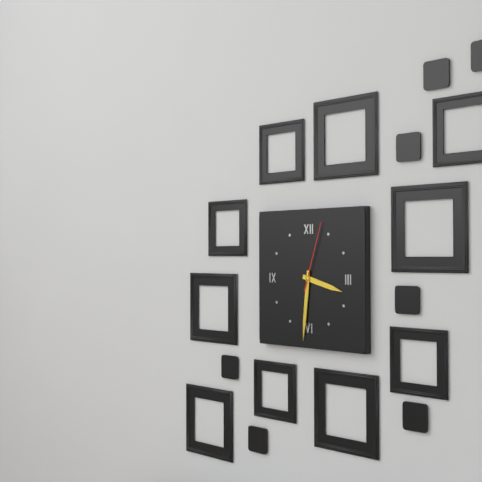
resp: 3h31m03s
